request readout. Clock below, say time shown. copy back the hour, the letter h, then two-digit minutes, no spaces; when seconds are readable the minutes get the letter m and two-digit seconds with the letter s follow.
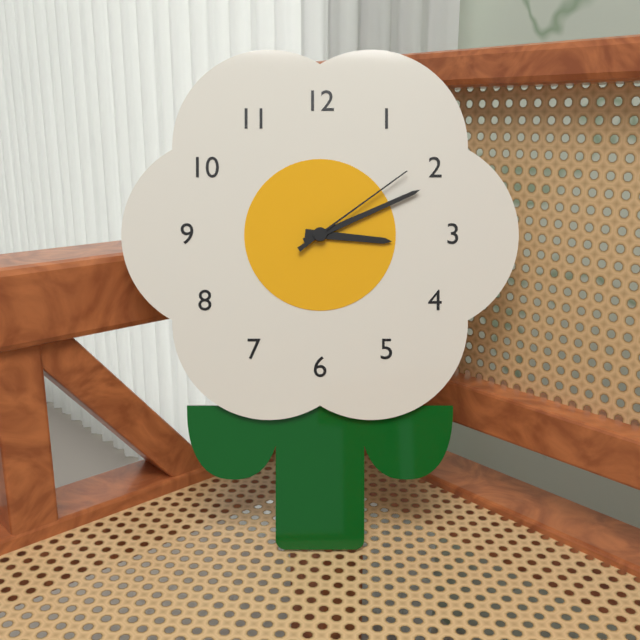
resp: 3h11m09s
